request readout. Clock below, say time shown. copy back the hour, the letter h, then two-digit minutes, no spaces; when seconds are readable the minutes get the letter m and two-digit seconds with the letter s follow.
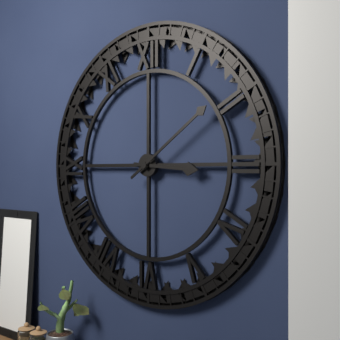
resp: 3h09
